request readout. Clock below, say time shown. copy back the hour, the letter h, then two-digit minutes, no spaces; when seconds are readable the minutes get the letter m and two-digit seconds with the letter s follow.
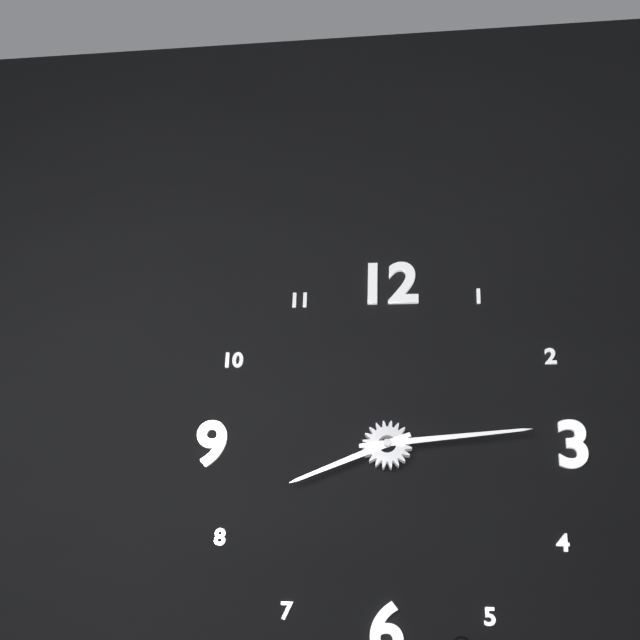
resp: 8h14
